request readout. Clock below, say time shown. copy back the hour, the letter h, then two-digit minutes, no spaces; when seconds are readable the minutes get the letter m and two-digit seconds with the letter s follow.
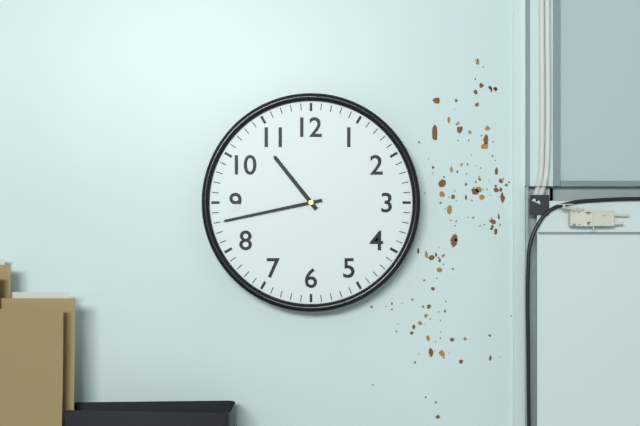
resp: 10h43
